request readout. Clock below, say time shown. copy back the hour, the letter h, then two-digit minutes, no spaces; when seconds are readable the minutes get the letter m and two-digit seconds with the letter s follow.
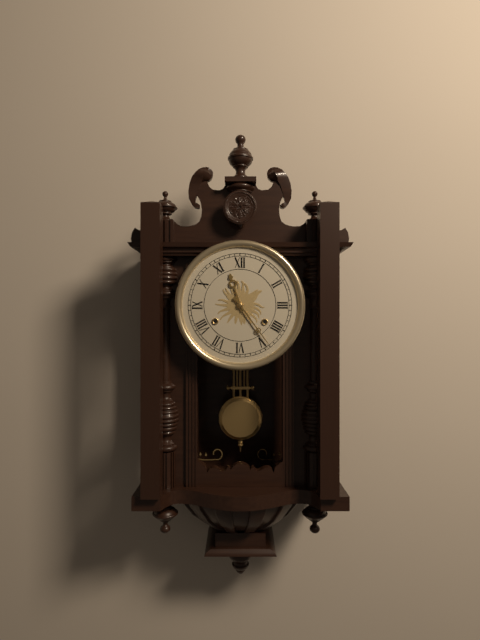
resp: 11h24
